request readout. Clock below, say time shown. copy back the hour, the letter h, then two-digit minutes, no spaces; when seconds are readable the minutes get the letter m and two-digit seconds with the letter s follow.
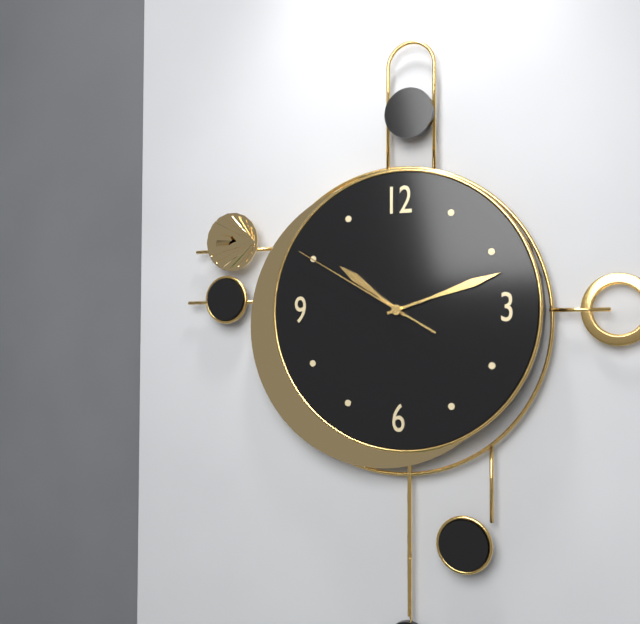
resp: 10h12m50s
